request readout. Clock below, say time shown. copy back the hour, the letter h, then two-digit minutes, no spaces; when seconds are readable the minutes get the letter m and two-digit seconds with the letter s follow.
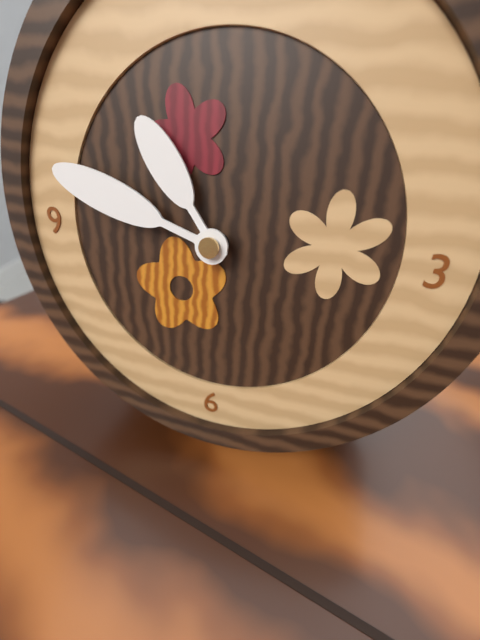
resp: 10h48
